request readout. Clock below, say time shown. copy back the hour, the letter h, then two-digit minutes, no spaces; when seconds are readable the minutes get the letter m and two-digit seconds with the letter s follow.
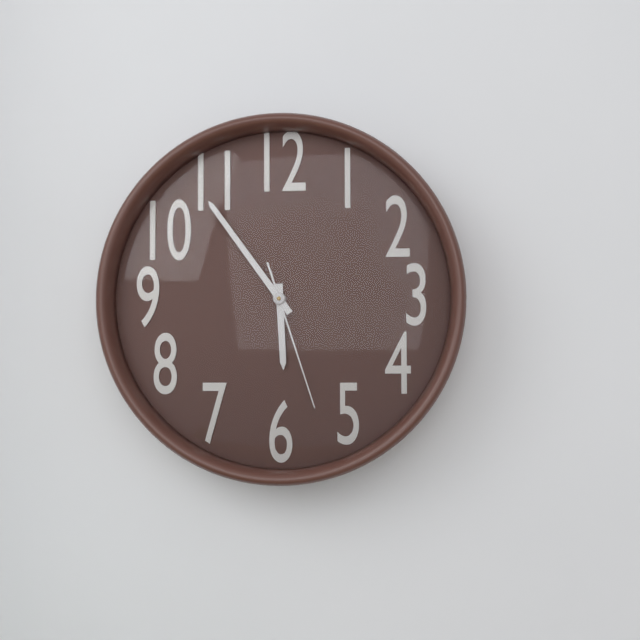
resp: 5h54m27s
